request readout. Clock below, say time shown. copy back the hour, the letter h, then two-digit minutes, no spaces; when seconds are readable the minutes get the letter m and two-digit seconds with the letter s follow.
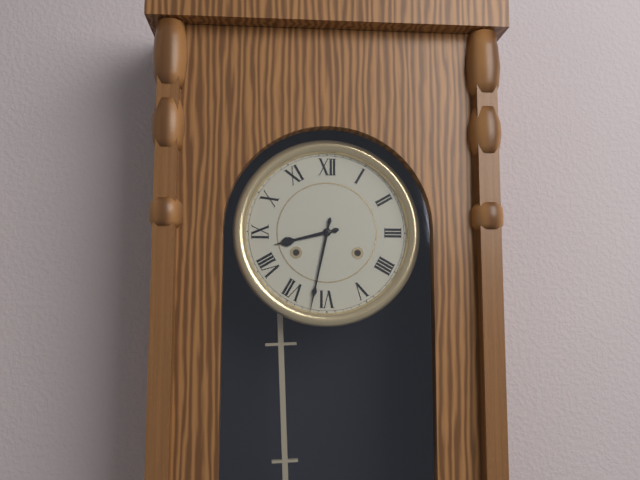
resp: 8h32
